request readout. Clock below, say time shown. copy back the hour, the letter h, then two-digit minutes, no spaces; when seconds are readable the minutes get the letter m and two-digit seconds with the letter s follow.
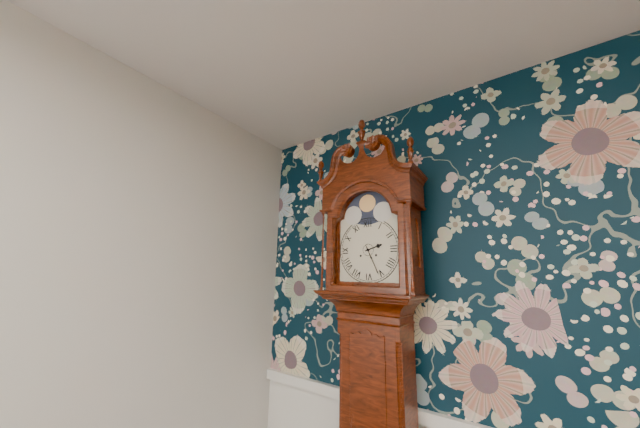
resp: 2h26
